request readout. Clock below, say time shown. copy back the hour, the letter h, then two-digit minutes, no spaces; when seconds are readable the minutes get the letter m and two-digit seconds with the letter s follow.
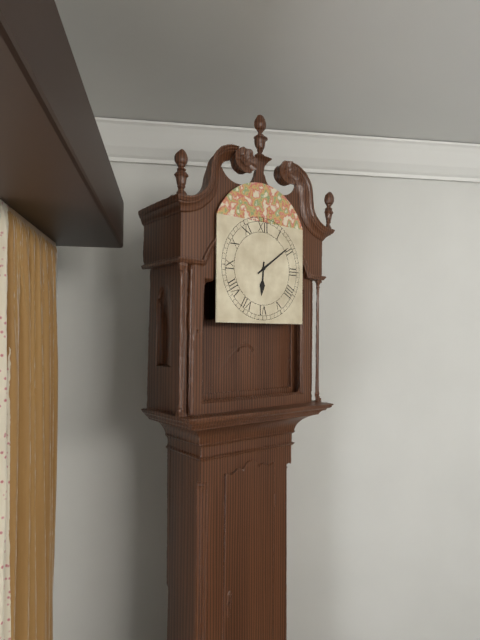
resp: 6h09
